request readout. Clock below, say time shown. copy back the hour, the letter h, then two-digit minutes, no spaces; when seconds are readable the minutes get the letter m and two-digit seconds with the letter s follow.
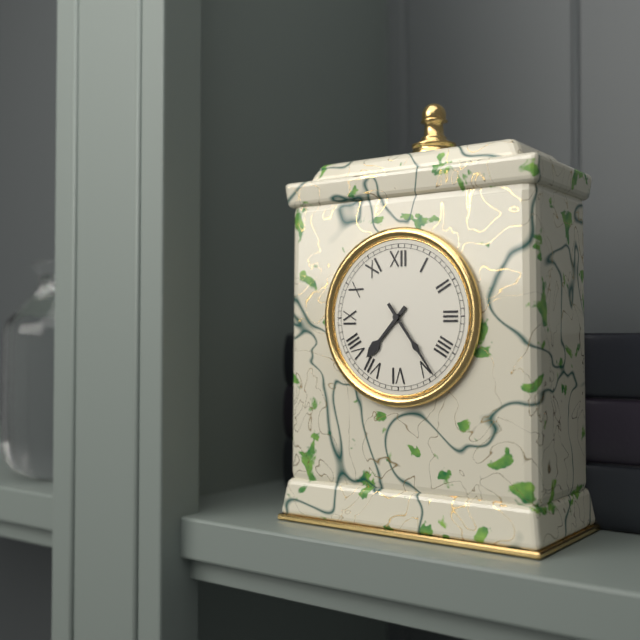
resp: 7h24
